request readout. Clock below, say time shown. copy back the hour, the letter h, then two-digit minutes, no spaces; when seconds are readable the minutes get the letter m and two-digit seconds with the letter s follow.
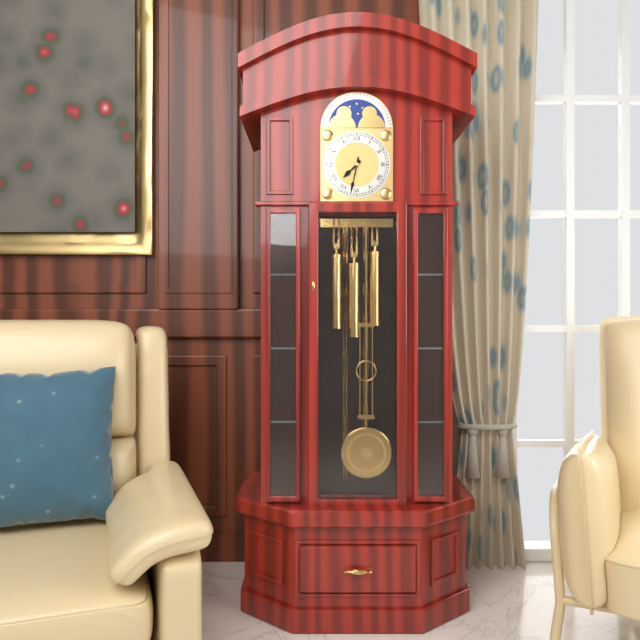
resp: 7h32
